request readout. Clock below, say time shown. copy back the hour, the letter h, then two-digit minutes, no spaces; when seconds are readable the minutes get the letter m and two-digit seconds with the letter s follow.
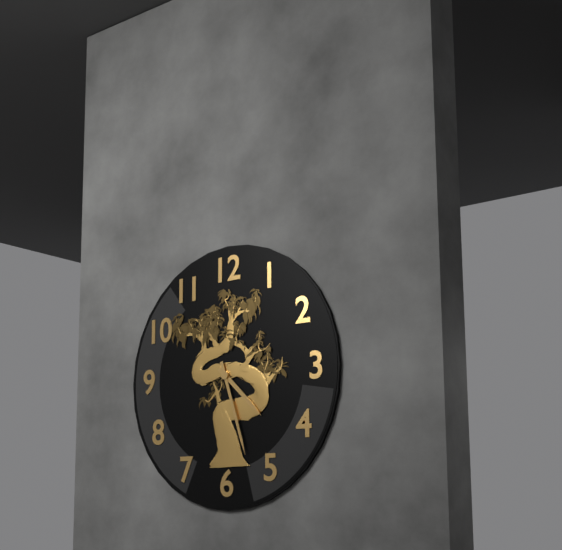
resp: 4h27
